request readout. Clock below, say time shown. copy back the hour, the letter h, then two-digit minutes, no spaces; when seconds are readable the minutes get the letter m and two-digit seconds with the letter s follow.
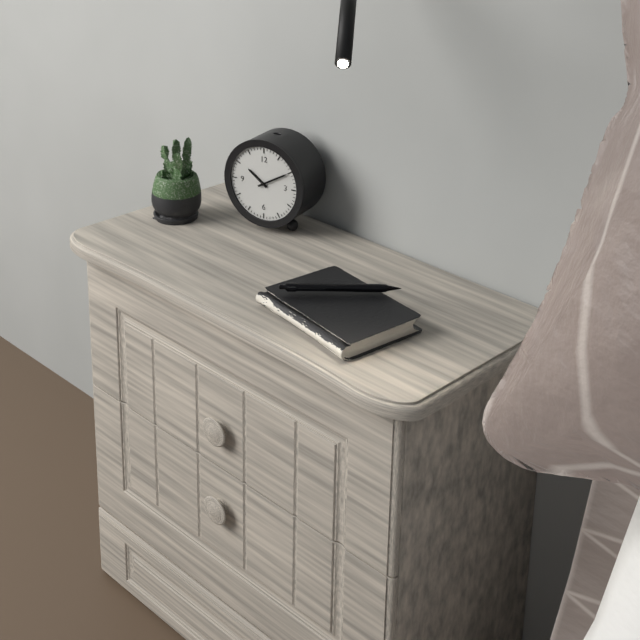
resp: 10h10
